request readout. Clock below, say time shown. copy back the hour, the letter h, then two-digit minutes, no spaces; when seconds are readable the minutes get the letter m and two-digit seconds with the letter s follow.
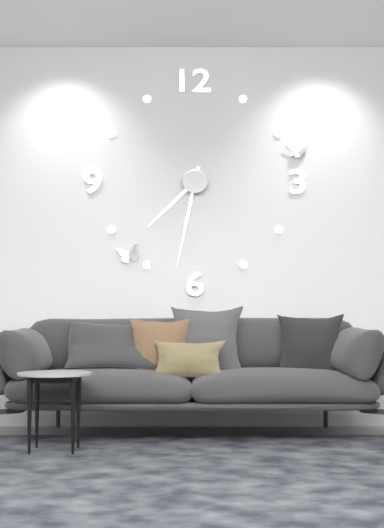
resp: 7h32
